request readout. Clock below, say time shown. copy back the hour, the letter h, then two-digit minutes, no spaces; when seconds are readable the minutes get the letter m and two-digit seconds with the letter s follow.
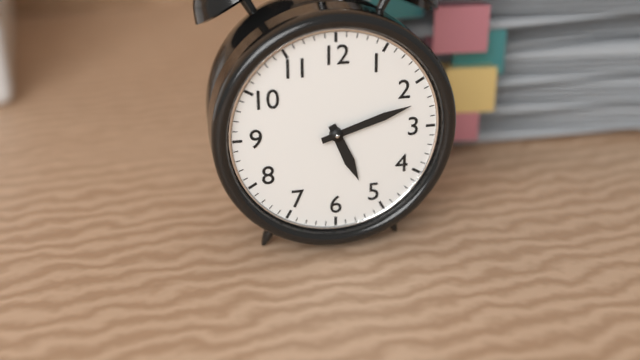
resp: 5h12
